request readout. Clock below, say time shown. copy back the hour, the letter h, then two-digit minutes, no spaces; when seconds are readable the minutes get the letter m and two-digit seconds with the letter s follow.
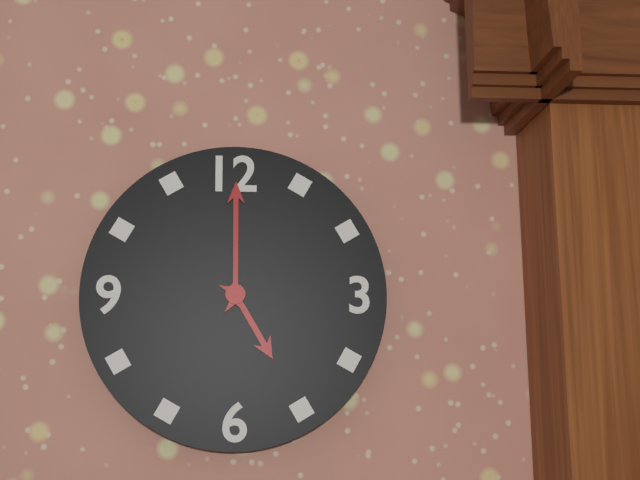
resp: 5h00
